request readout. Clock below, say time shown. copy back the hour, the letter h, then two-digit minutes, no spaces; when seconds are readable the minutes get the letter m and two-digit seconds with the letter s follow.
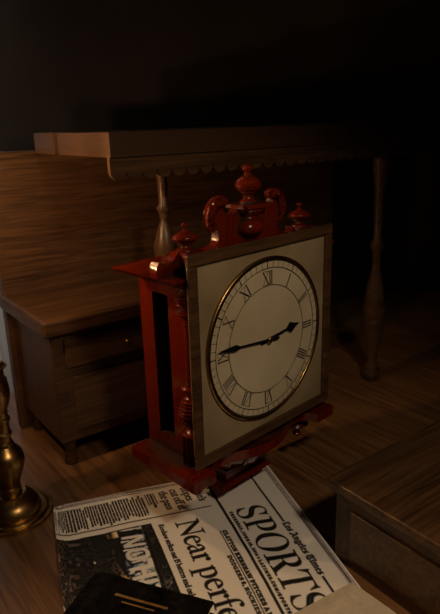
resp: 2h46
